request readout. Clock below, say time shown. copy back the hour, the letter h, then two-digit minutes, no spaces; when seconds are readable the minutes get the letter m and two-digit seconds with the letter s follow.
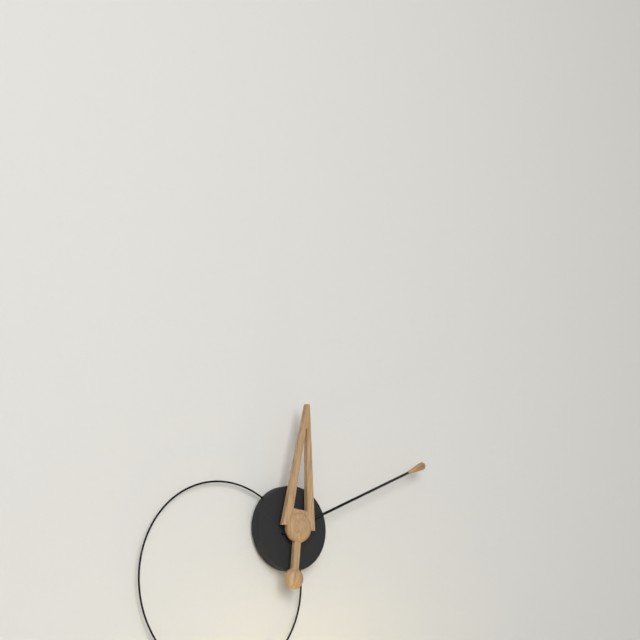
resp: 12h11
